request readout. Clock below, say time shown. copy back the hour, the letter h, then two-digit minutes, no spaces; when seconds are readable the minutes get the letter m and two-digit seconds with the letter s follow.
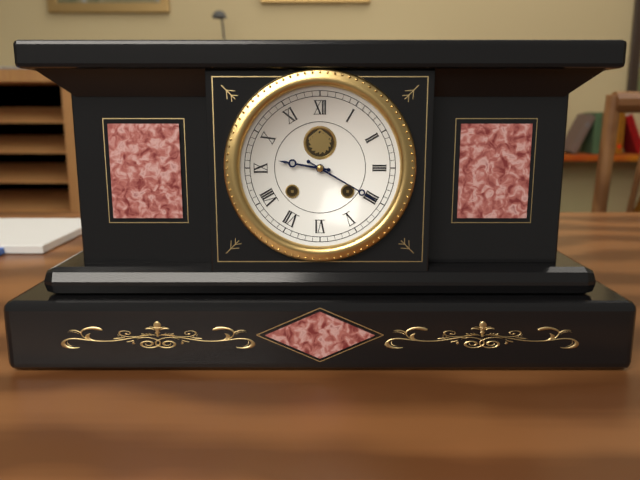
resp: 9h20
